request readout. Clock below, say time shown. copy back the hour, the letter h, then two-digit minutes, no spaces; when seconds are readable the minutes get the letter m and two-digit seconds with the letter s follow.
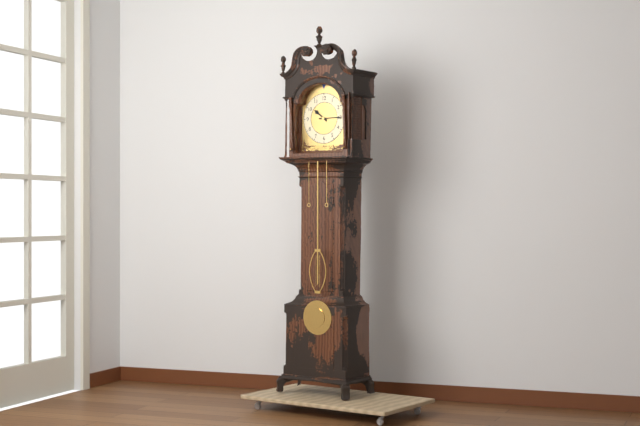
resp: 10h15
